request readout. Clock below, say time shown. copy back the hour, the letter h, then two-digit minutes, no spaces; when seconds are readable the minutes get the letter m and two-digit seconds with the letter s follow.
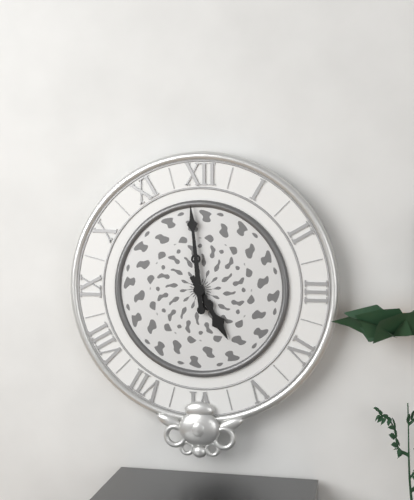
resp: 4h59
